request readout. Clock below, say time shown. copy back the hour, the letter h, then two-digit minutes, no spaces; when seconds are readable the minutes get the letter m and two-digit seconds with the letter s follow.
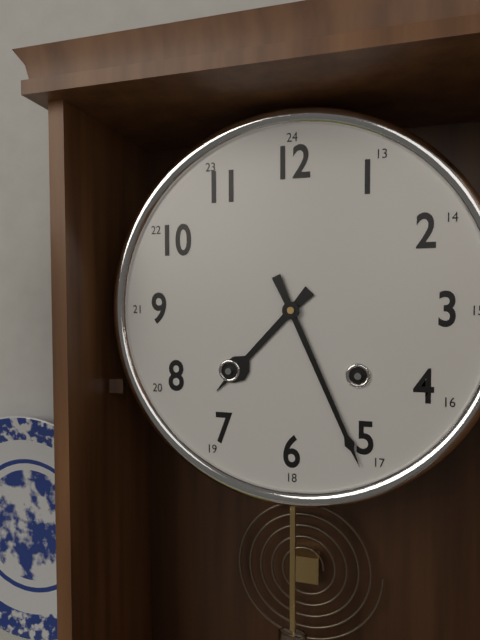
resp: 7h26
